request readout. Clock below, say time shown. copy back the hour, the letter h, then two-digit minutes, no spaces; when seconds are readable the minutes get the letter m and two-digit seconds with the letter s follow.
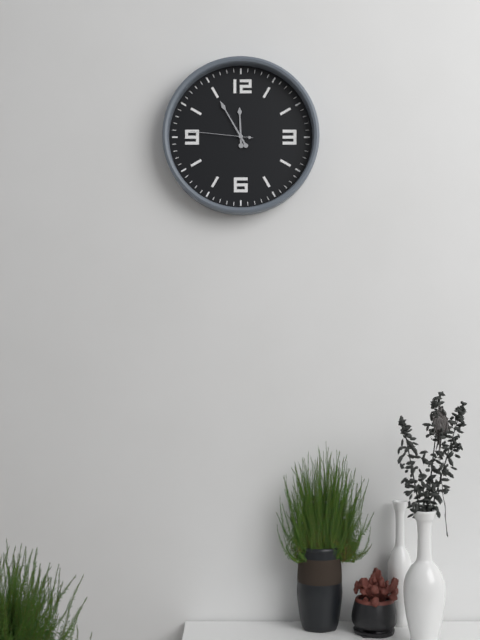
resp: 11h55m46s
